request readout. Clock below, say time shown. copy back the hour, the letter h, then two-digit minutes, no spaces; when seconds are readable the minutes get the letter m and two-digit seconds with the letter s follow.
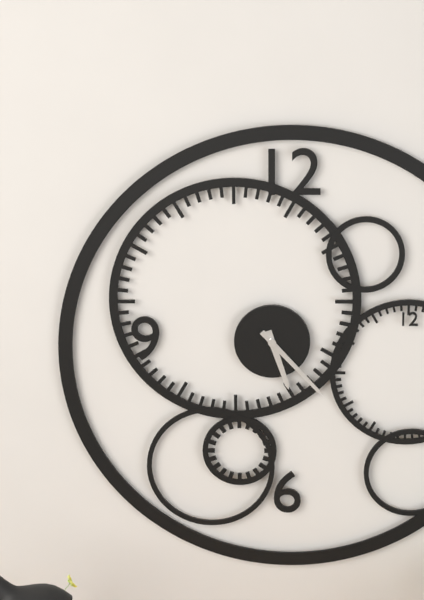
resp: 5h23
